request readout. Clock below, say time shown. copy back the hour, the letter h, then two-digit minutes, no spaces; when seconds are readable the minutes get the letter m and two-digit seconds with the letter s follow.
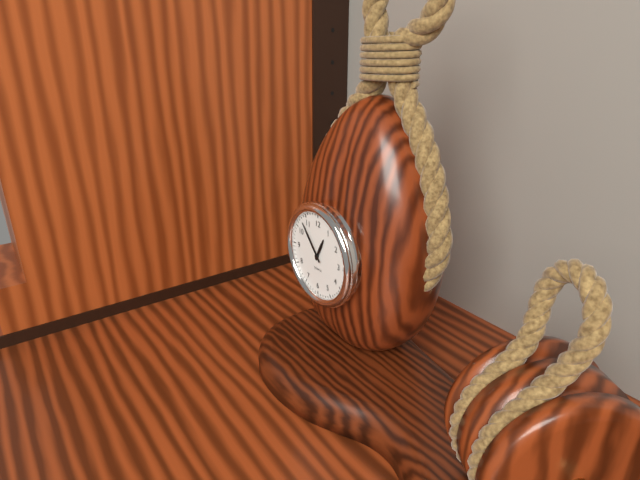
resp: 12h53
